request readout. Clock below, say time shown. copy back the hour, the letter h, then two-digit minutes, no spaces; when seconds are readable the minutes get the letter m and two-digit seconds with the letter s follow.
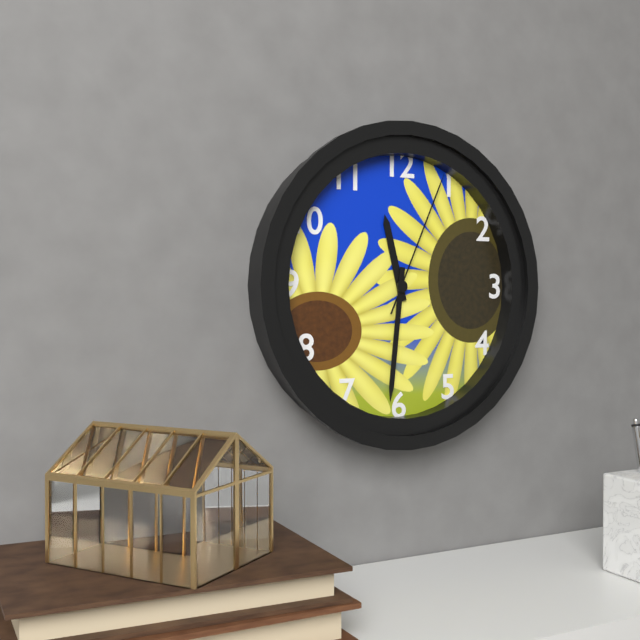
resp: 11h31m04s
